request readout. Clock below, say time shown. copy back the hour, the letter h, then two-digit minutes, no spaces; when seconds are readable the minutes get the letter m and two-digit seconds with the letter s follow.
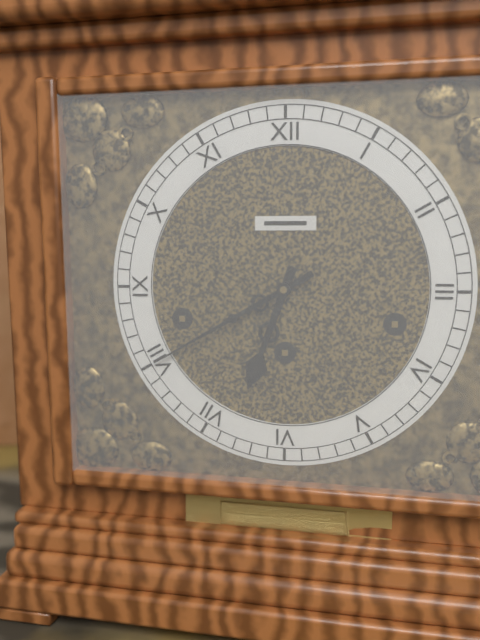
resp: 6h40
